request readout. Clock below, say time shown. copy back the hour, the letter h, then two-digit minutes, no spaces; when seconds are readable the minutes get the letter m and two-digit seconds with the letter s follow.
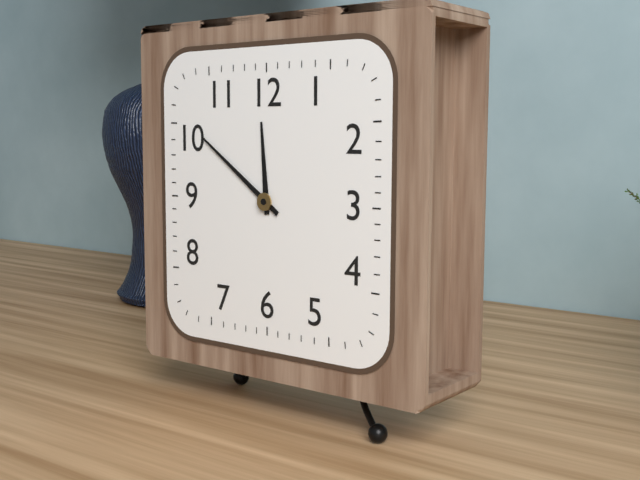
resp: 11h51
